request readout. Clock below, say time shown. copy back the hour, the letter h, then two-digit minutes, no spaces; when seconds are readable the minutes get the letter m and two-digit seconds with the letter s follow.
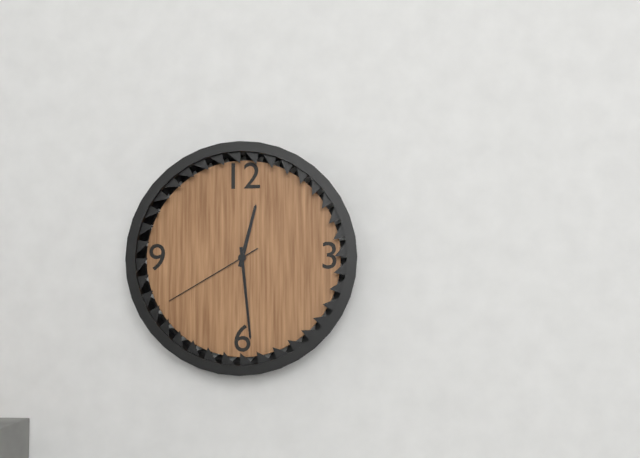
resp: 12h29m40s
